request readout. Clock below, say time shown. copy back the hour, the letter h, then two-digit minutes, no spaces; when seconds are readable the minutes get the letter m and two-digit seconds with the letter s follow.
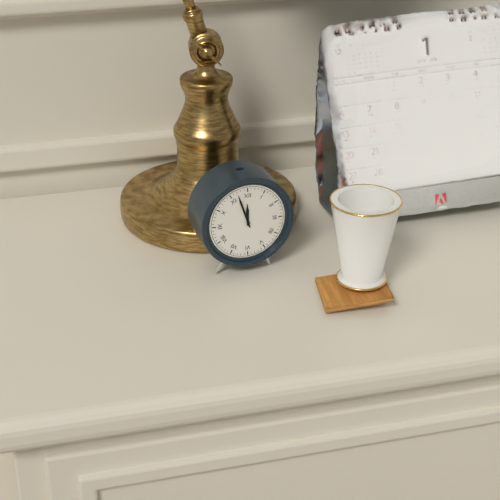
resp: 11h57
